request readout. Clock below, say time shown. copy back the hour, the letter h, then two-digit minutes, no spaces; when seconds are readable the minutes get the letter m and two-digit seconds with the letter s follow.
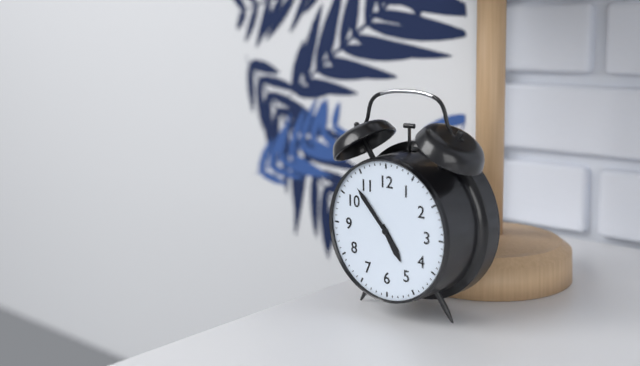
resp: 4h53
